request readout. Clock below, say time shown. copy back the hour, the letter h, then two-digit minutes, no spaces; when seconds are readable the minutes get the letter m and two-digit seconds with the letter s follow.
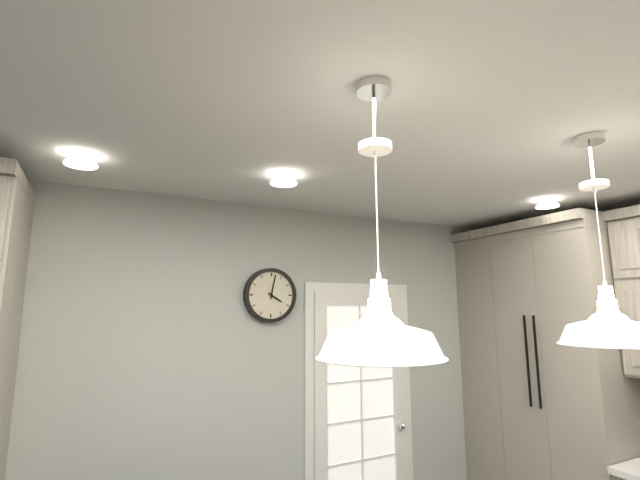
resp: 4h02
